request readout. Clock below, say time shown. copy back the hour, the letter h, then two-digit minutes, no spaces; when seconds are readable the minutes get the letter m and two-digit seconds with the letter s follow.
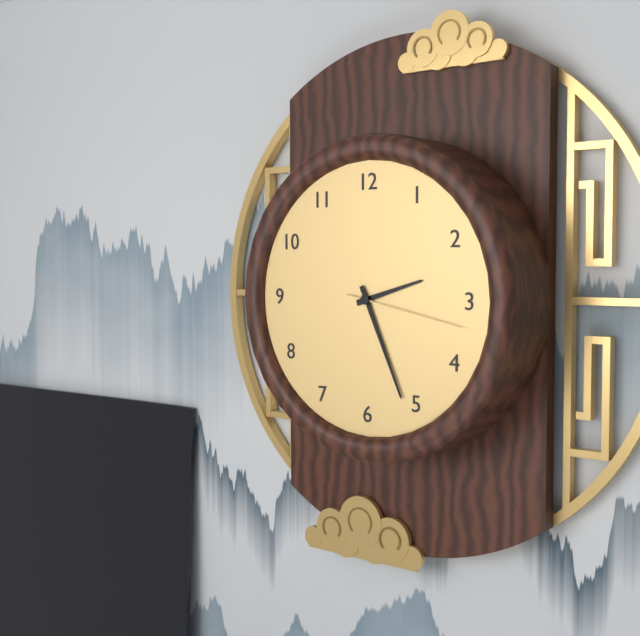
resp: 2h26m17s
